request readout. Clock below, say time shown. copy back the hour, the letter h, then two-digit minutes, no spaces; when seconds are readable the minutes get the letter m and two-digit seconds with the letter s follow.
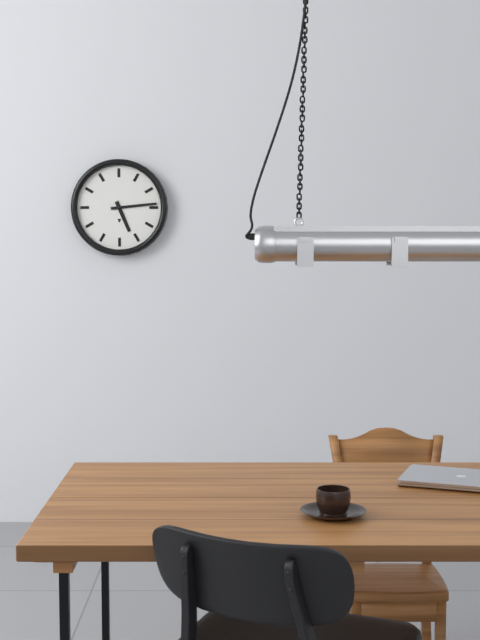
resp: 5h14
